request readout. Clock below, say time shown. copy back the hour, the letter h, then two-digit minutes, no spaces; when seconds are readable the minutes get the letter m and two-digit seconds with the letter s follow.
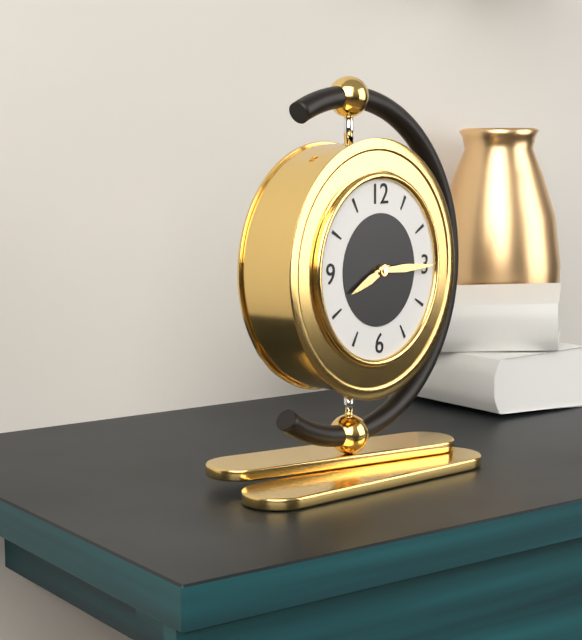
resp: 8h15
